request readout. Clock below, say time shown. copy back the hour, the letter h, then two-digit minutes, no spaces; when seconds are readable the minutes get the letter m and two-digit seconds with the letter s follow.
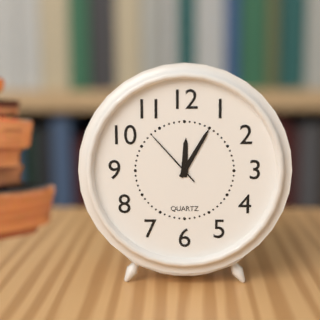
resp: 12h05m53s
